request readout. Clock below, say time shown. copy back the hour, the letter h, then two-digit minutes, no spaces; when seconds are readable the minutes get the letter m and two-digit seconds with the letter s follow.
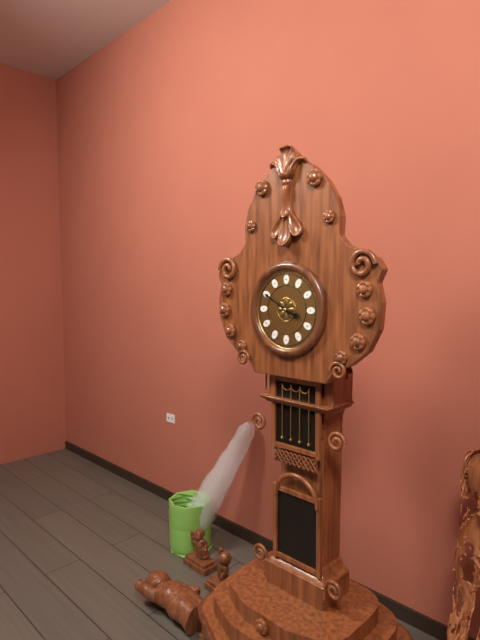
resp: 3h50
